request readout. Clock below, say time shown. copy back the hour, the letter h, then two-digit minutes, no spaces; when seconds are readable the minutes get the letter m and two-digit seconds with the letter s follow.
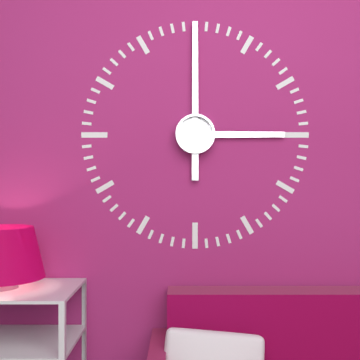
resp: 3h00
